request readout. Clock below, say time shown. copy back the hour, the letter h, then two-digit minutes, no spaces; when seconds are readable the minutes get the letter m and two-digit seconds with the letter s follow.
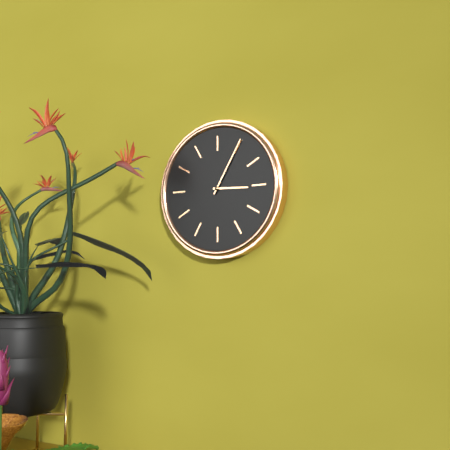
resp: 3h05
